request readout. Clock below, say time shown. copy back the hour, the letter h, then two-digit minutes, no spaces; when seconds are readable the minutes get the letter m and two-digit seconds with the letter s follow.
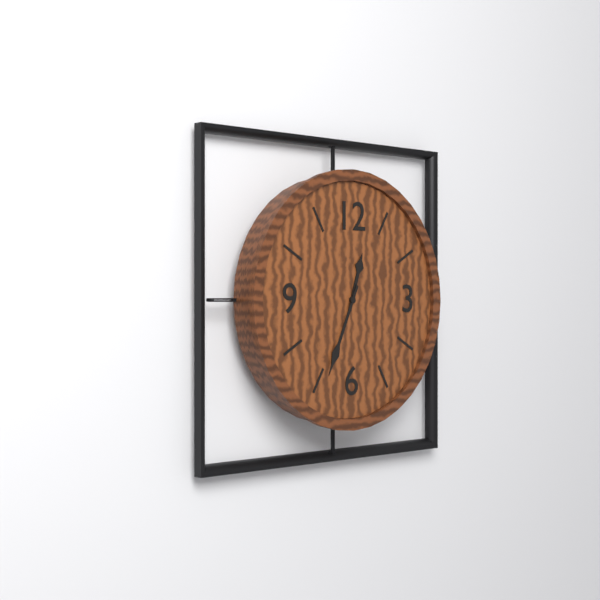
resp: 12h34
